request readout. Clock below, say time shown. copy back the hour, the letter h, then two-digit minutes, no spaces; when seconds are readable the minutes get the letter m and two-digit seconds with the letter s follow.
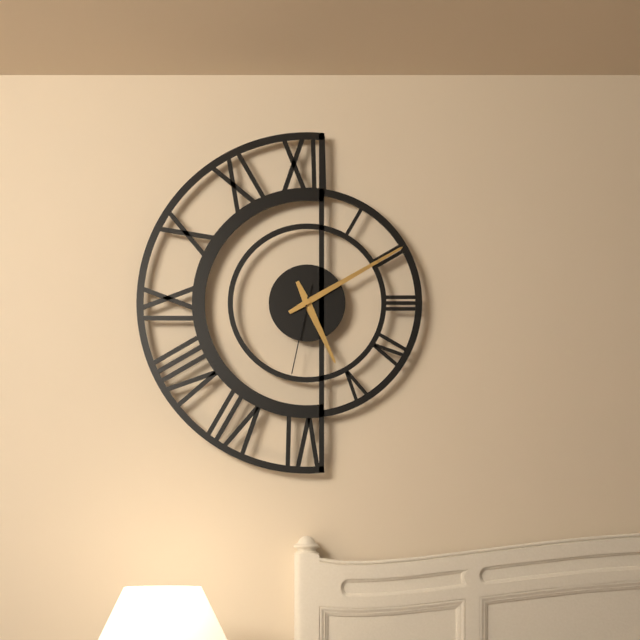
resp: 5h10m32s
